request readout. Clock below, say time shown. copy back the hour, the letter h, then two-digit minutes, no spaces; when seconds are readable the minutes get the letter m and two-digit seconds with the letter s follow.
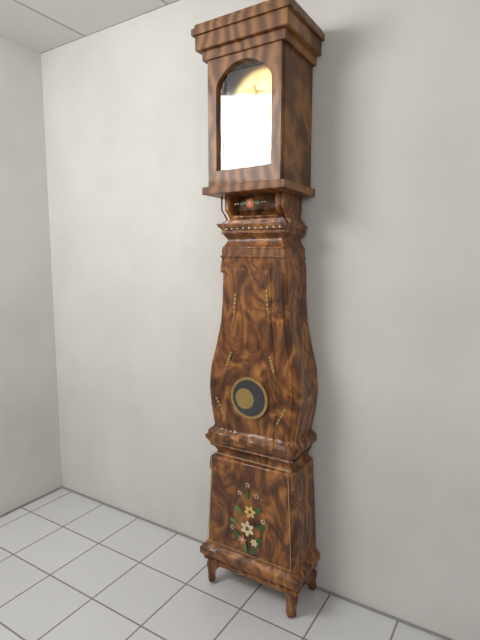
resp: 2h27
